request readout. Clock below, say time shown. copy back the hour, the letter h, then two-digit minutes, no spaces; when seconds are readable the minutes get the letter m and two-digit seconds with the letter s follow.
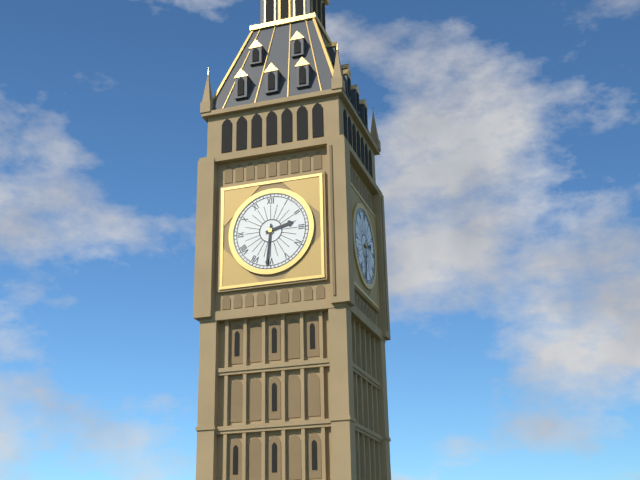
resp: 2h31
